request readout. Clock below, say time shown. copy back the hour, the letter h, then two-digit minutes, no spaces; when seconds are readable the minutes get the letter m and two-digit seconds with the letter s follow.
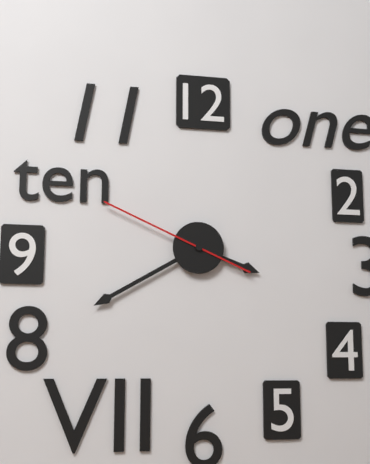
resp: 3h40m49s
